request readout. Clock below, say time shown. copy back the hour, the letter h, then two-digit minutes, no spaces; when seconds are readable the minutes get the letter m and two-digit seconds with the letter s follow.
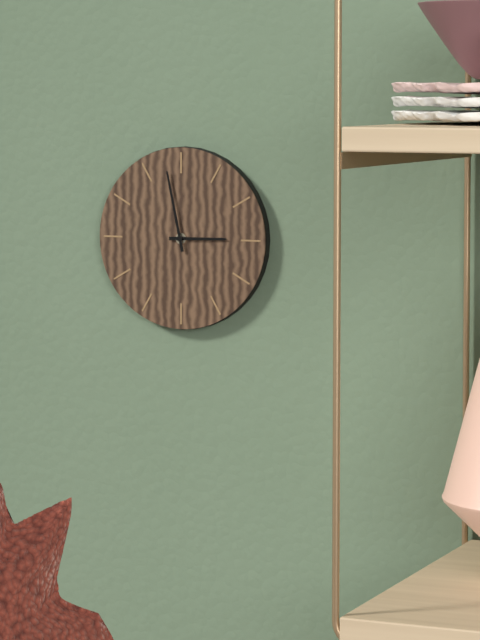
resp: 2h58
